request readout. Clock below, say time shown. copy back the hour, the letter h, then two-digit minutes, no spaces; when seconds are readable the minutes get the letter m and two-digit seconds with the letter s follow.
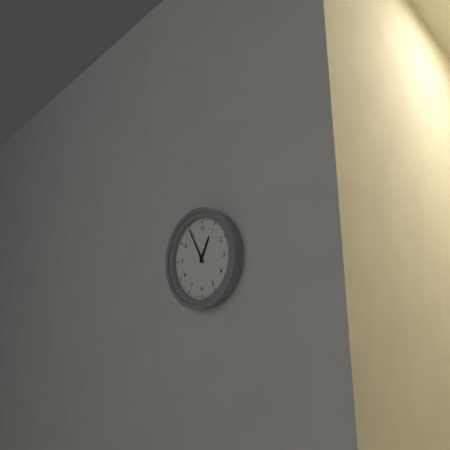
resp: 12h55
